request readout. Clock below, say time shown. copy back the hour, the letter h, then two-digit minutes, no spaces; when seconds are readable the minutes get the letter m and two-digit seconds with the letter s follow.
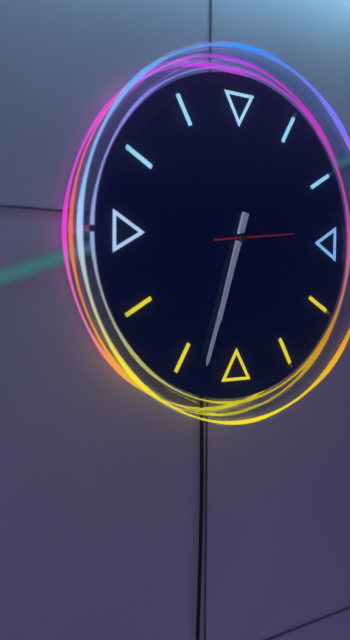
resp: 6h33m14s
